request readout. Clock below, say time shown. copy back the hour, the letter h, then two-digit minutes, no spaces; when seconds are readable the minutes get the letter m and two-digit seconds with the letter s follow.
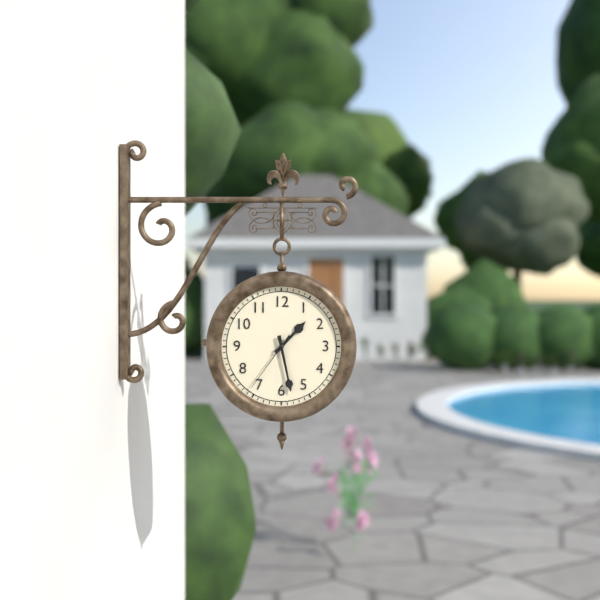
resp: 1h28m36s
